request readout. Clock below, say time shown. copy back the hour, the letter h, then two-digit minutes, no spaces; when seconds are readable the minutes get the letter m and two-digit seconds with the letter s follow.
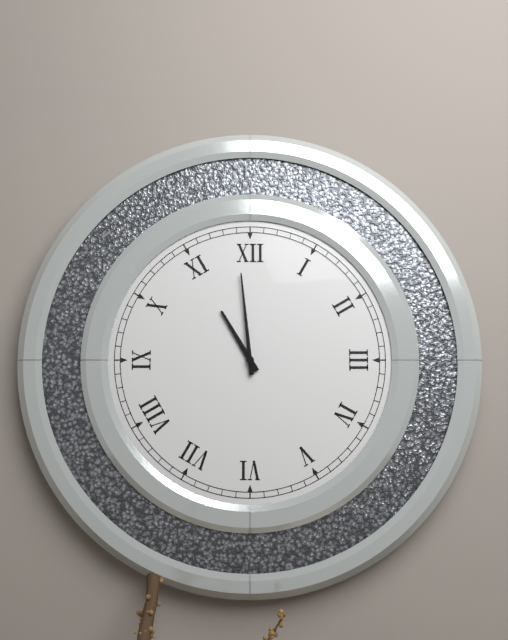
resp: 10h59
